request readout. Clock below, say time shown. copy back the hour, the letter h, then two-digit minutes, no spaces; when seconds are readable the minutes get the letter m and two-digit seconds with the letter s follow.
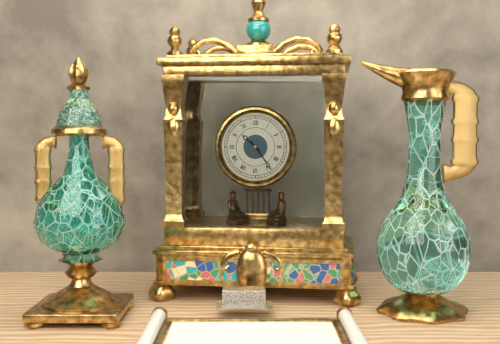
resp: 10h24
